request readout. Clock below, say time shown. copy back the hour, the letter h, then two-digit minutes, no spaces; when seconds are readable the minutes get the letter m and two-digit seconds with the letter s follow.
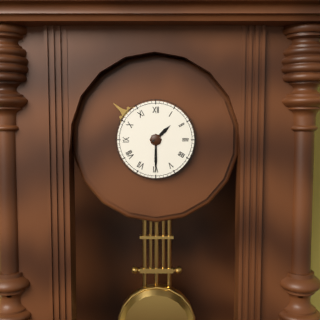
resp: 1h30
